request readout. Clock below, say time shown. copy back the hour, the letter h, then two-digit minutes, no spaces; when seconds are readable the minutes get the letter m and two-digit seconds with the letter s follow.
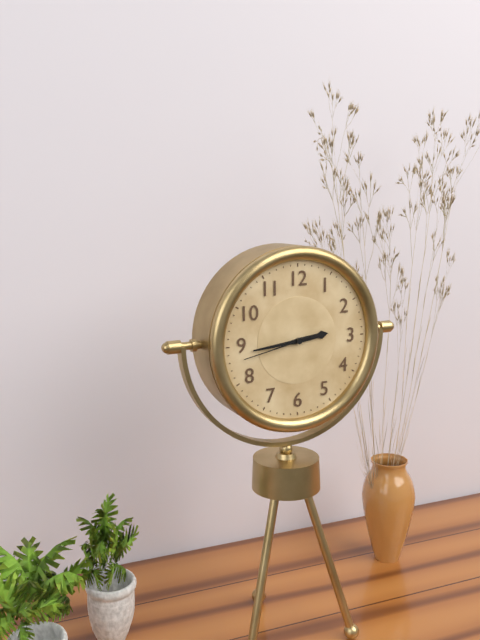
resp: 2h44m43s
